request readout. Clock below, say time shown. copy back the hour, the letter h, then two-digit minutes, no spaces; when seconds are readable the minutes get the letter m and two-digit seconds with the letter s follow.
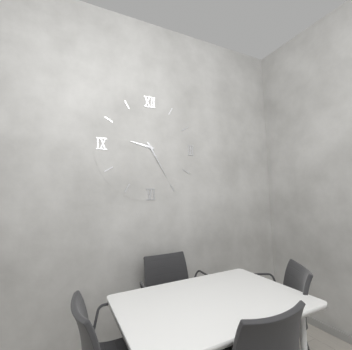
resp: 9h25
